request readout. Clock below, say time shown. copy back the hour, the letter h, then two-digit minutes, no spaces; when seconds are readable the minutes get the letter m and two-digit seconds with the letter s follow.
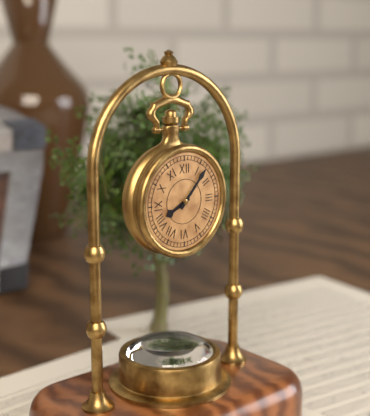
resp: 8h07
